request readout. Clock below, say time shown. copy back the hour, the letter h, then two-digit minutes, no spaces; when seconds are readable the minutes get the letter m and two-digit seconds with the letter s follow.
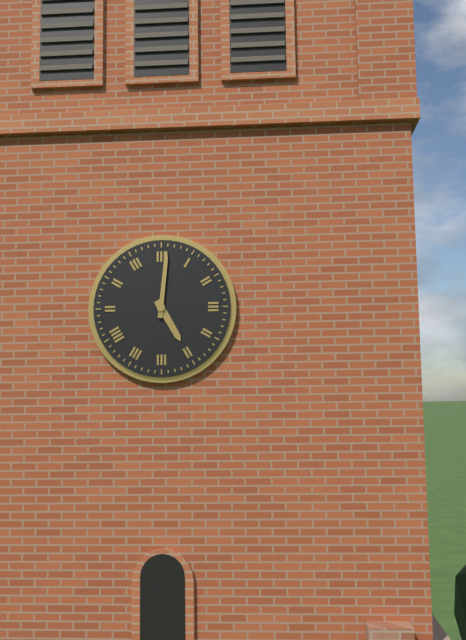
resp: 5h01
